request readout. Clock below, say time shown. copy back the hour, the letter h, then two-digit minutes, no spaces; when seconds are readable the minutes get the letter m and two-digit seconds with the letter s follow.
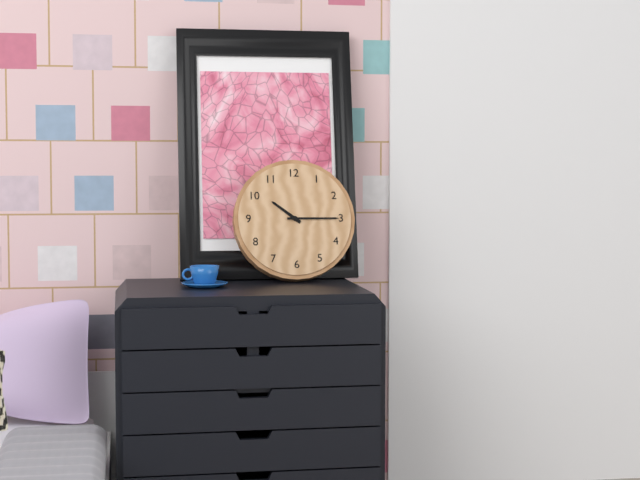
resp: 10h15
